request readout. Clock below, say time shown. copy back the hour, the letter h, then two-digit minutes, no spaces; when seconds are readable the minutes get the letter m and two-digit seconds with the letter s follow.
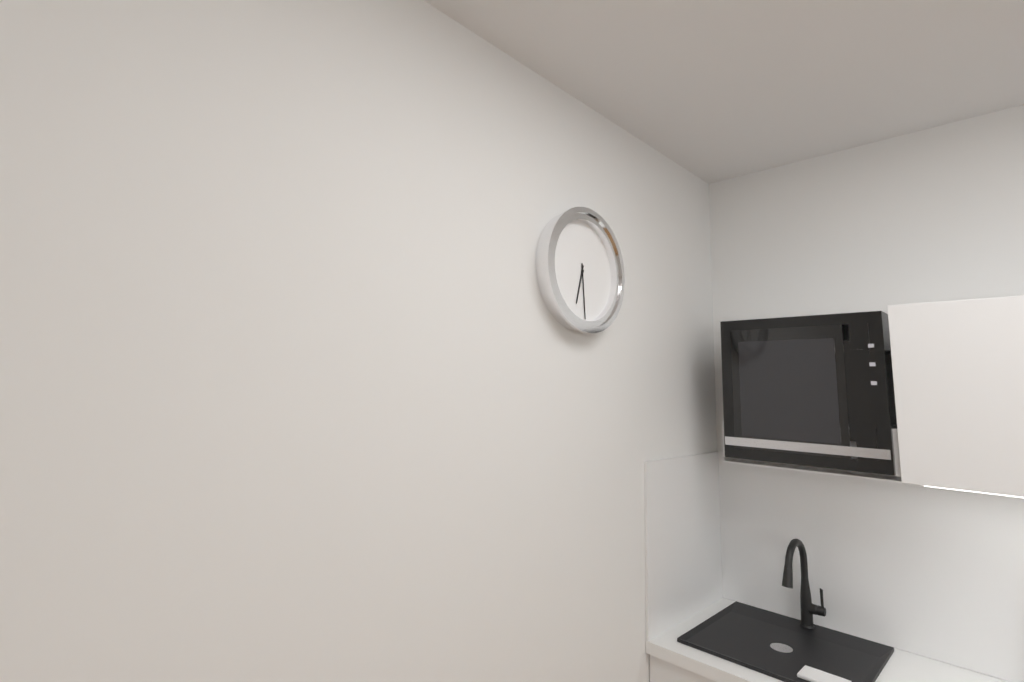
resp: 6h29
